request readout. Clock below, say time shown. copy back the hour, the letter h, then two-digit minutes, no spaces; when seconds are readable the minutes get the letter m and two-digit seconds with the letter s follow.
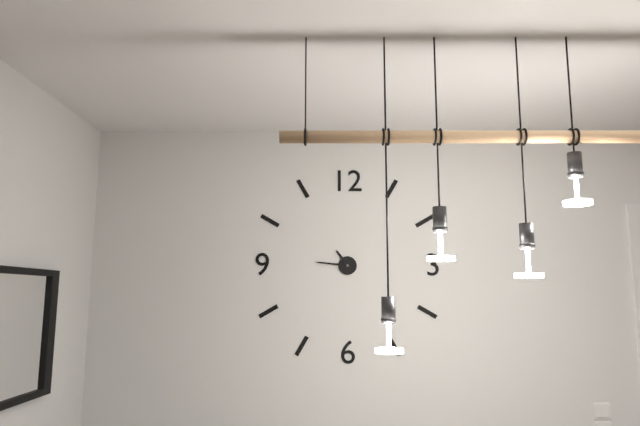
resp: 10h46
